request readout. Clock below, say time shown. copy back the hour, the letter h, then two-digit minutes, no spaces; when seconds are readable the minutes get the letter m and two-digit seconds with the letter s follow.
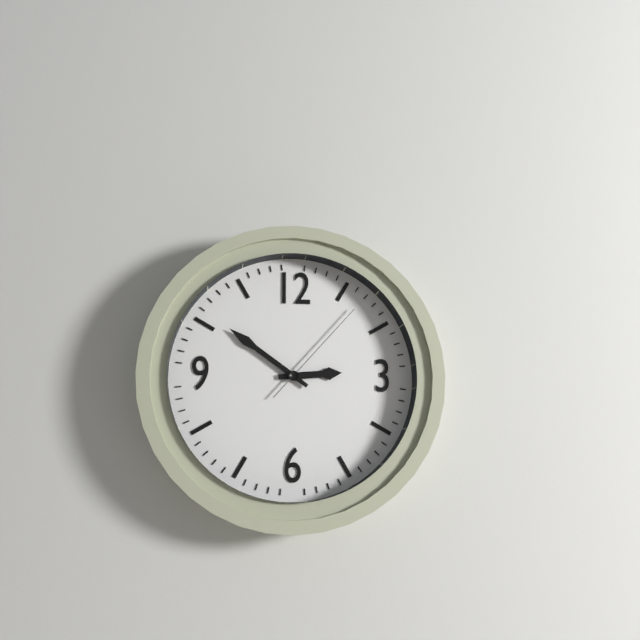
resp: 2h51m07s
